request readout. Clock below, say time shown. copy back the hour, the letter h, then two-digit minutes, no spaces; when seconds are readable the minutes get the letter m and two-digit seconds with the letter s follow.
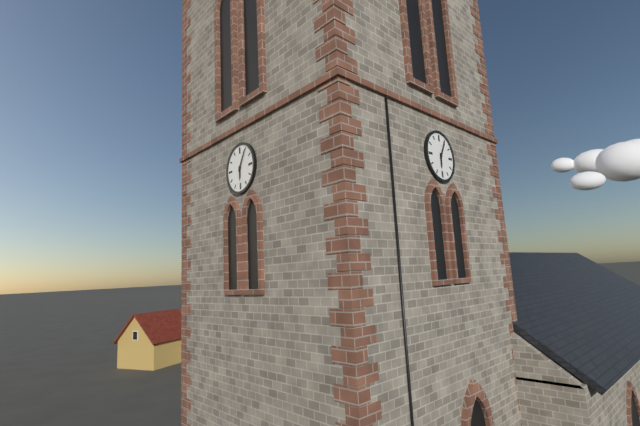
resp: 6h05
